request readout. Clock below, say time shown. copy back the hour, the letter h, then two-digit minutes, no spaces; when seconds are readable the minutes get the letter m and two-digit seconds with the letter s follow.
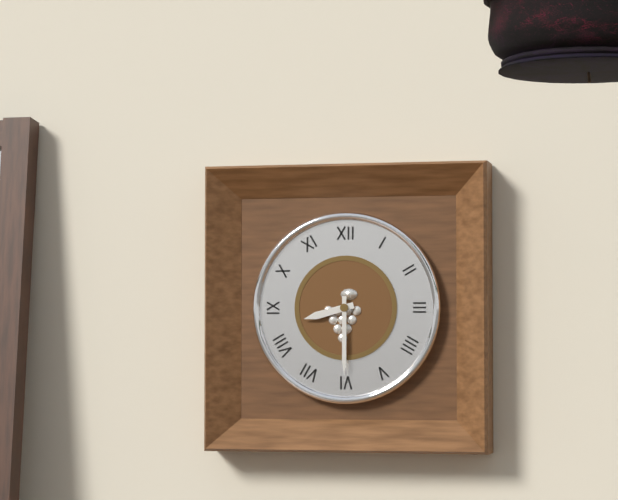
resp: 8h30
